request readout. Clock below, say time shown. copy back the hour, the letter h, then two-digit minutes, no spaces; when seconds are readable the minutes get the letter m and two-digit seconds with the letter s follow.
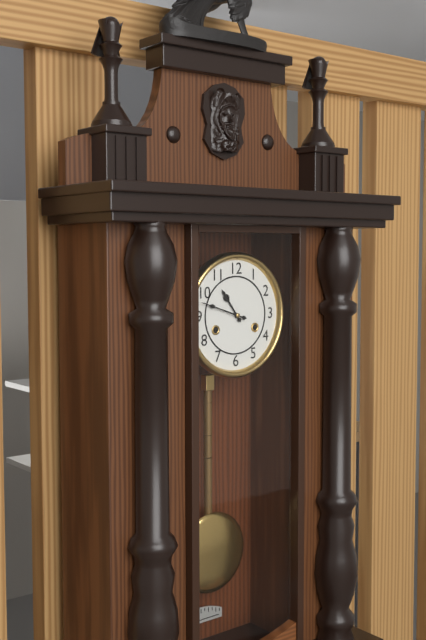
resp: 10h48
